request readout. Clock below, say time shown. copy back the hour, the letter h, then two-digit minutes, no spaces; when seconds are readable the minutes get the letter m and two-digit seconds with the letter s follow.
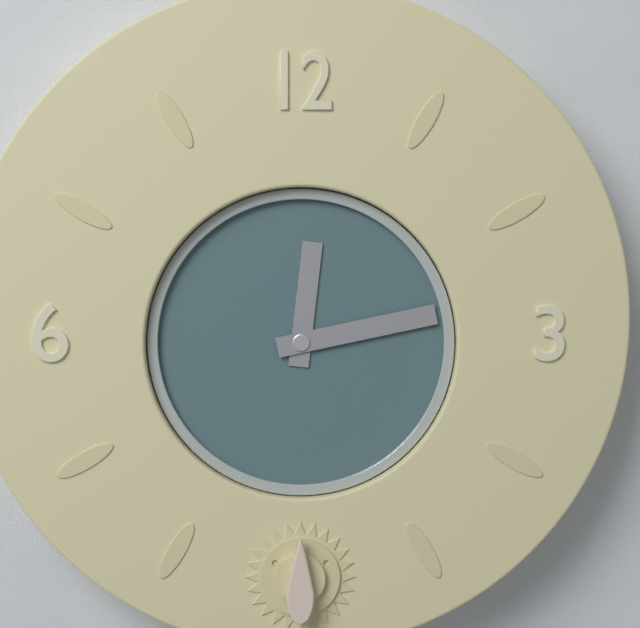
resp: 12h13
